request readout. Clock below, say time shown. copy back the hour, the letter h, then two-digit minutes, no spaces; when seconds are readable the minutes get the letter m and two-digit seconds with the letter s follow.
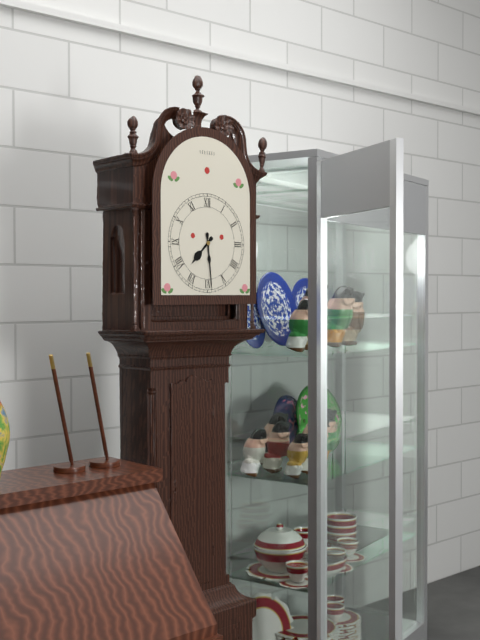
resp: 7h29
